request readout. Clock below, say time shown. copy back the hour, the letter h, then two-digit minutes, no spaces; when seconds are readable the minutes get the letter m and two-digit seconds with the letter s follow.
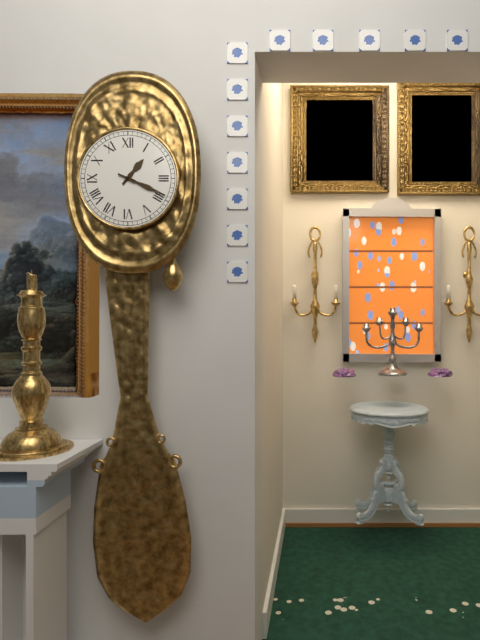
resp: 1h19
